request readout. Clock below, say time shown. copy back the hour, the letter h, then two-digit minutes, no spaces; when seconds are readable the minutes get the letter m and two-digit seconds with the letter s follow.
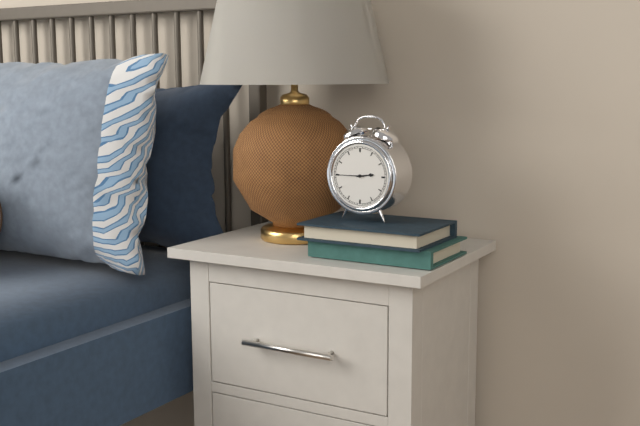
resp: 2h45
